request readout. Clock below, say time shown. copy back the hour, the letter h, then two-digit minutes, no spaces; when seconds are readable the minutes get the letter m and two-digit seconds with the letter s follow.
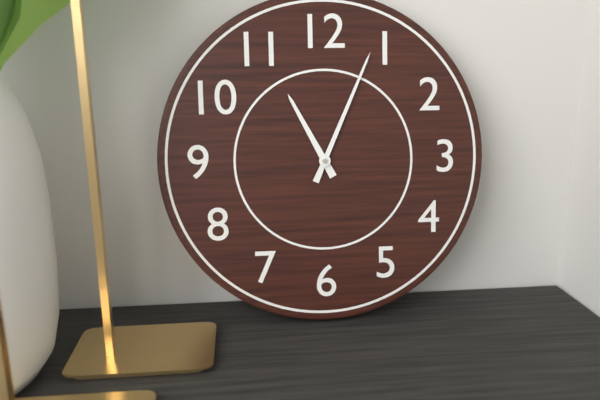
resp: 11h04
